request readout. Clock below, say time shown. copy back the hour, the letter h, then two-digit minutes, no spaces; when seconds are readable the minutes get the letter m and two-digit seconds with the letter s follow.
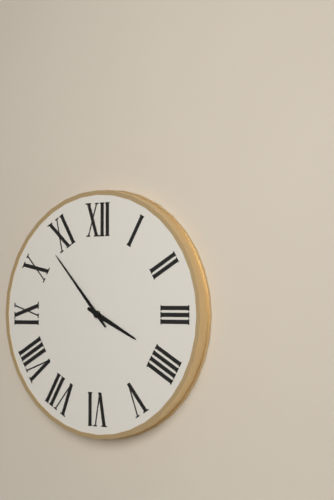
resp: 3h53
